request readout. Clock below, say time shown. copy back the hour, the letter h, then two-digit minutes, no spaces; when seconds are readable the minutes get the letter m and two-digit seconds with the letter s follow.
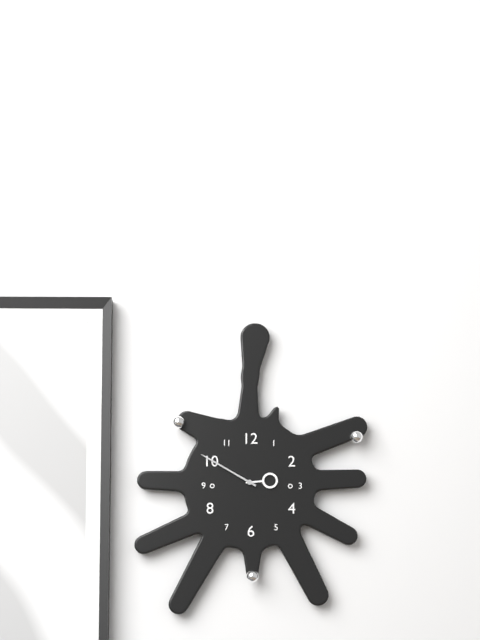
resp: 2h50
